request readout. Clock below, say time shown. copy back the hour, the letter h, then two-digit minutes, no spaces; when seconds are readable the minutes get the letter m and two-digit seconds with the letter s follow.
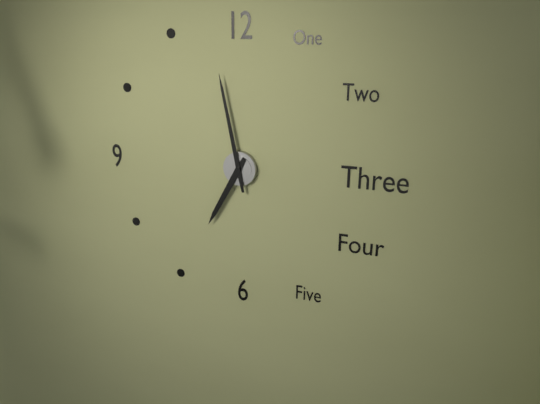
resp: 6h58
